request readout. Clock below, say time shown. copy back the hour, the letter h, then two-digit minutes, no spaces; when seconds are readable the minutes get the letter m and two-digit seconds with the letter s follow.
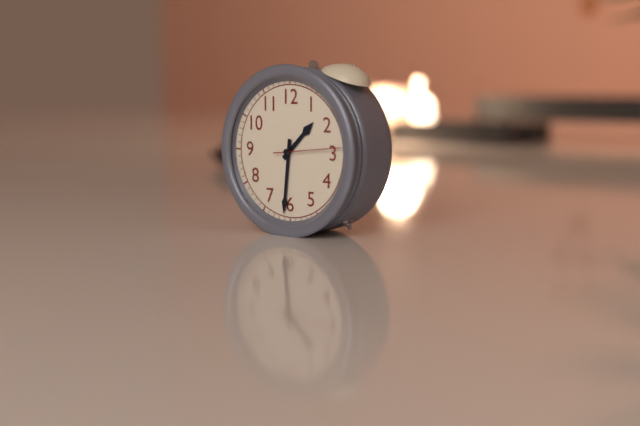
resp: 1h31m14s
